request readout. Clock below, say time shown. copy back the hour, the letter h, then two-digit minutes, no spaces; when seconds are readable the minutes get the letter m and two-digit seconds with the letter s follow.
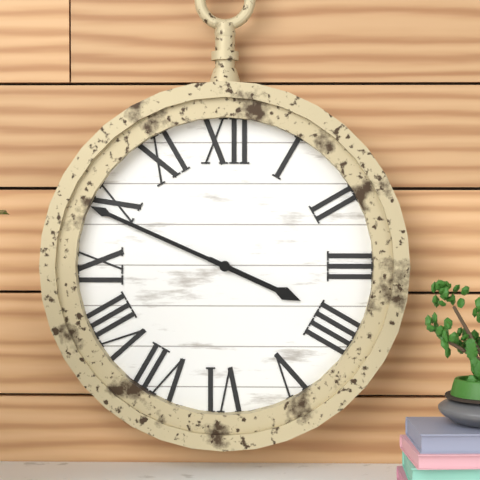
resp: 3h49
